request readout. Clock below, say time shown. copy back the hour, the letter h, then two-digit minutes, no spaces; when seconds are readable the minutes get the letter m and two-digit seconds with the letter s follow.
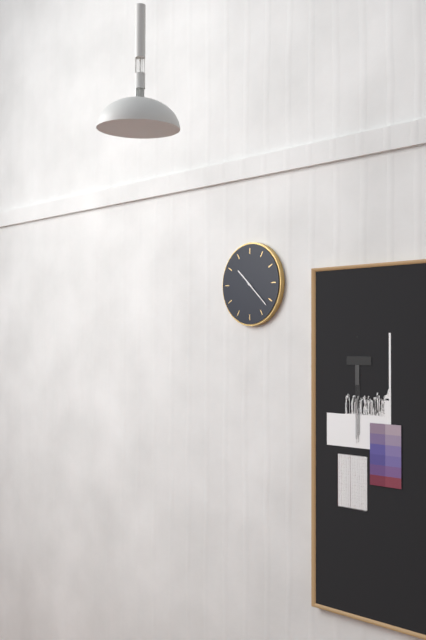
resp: 10h22
